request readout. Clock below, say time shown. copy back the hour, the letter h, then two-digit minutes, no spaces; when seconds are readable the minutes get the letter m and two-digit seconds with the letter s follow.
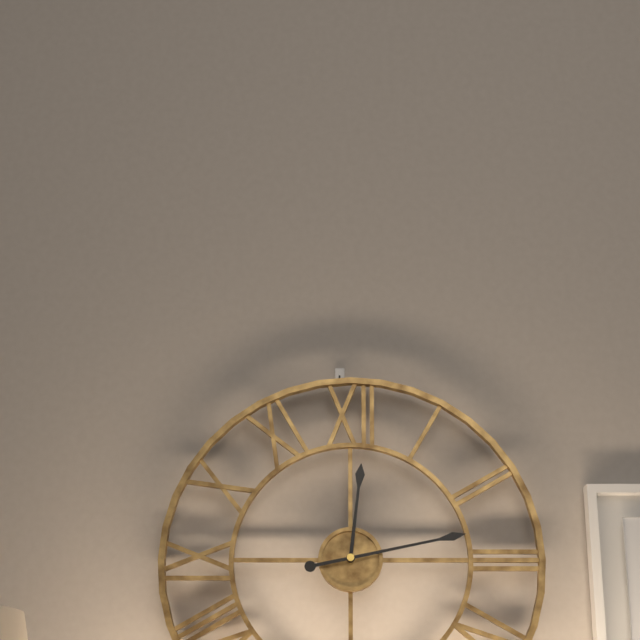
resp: 12h13
